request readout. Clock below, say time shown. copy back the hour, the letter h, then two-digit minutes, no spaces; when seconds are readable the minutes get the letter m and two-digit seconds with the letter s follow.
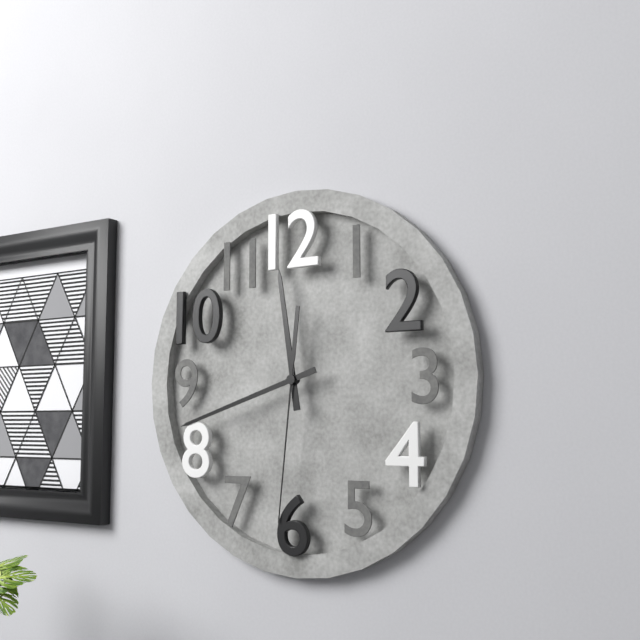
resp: 11h42m31s
